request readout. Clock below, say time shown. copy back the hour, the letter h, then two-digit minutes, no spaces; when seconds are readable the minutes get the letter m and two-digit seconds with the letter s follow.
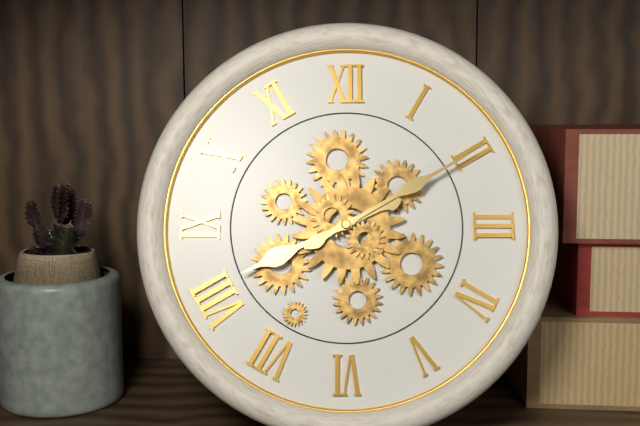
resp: 8h10
